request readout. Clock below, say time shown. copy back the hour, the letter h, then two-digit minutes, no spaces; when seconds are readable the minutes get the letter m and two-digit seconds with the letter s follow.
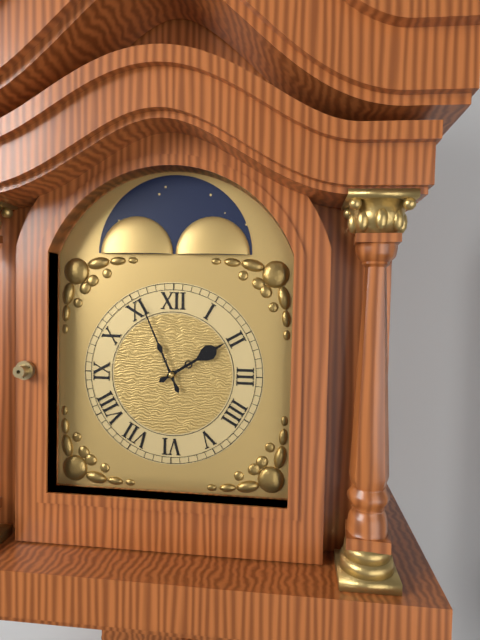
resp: 1h56
